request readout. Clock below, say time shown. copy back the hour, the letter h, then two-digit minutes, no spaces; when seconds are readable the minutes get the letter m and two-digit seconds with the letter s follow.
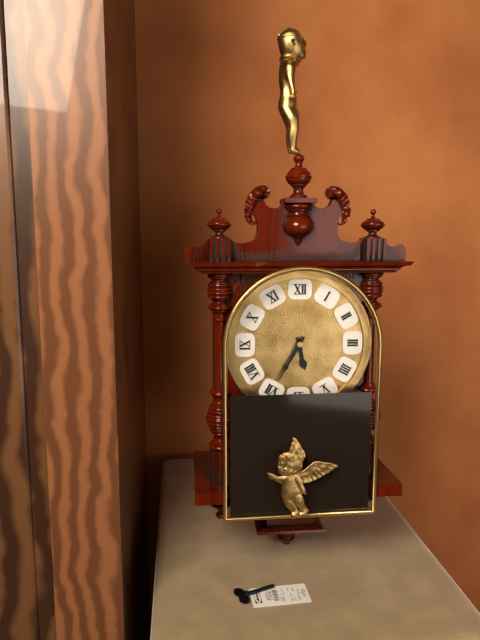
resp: 5h35
